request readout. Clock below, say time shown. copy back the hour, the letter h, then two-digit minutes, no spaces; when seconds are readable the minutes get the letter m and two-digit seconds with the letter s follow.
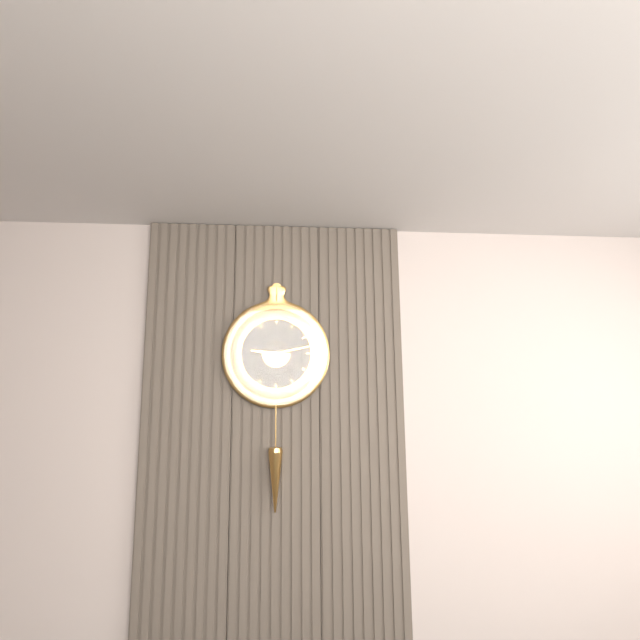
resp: 9h13
